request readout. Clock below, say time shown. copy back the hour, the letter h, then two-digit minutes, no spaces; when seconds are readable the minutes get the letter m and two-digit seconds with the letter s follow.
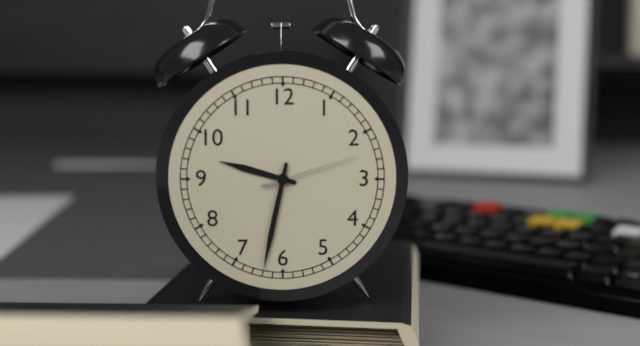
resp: 9h32m12s
